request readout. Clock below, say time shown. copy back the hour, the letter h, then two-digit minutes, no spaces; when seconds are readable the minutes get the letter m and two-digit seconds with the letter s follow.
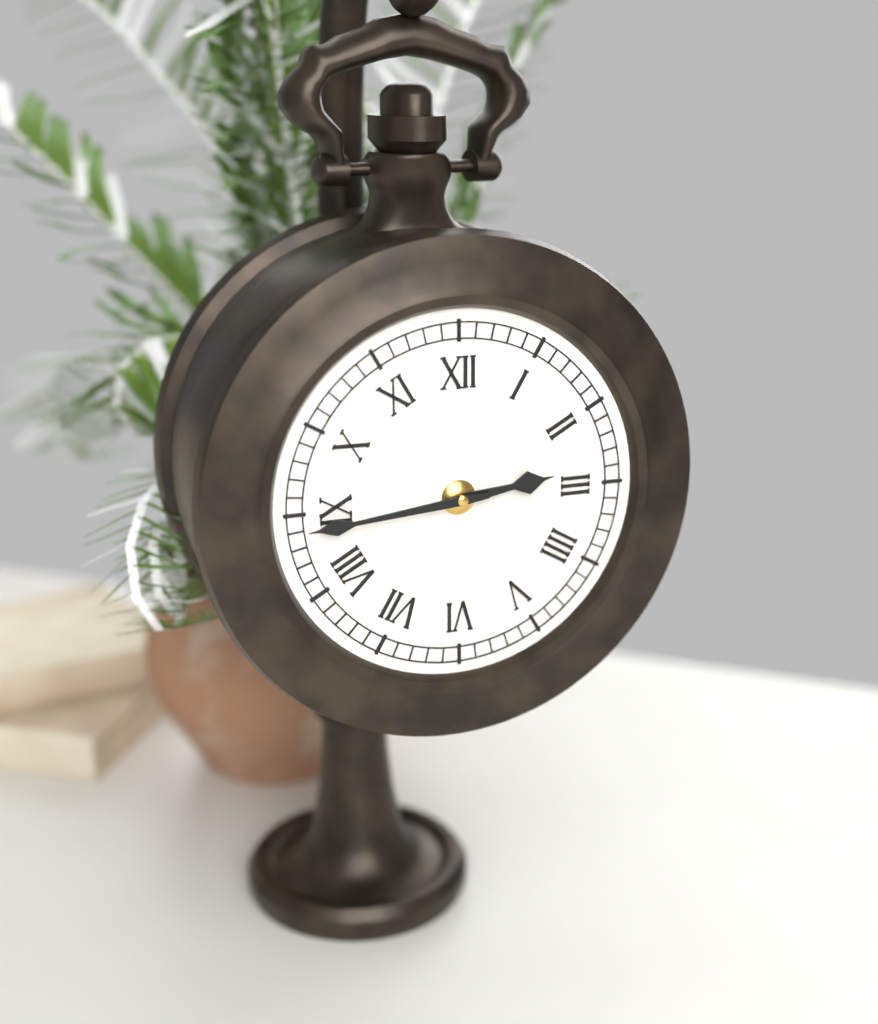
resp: 2h44
